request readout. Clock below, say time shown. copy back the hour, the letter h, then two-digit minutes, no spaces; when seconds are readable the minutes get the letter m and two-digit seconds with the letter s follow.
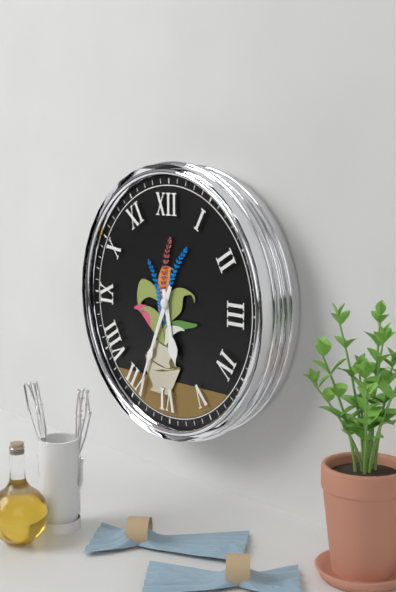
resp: 5h34
